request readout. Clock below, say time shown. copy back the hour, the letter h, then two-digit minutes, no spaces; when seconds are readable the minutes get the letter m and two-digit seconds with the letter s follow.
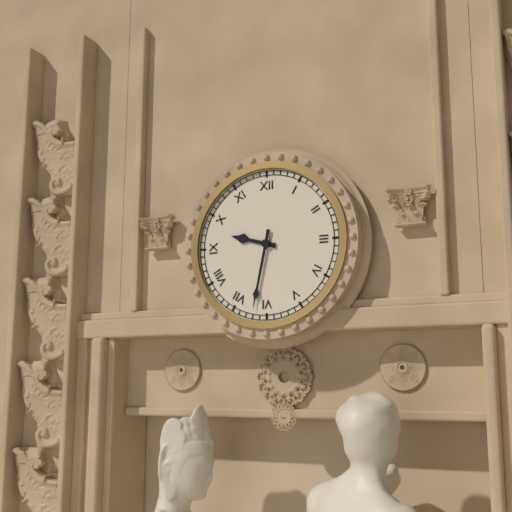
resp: 9h32
